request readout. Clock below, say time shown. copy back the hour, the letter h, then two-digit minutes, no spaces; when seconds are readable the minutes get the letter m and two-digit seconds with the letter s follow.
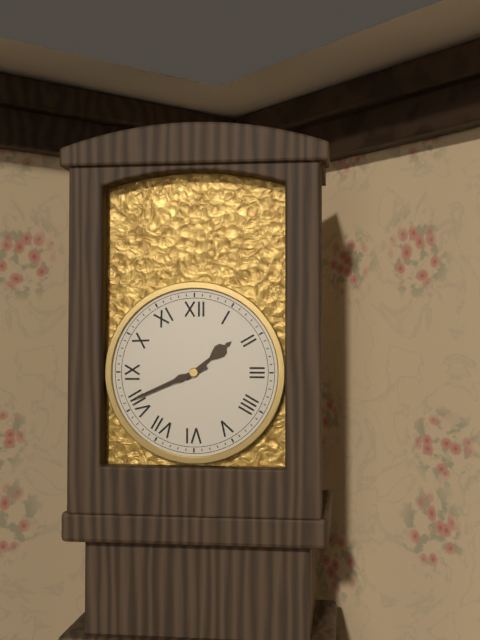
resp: 1h41
